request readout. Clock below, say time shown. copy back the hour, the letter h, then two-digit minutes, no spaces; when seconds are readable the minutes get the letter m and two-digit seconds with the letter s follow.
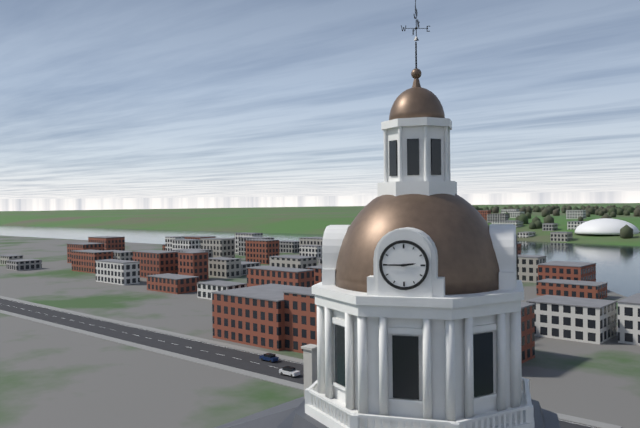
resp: 2h45
